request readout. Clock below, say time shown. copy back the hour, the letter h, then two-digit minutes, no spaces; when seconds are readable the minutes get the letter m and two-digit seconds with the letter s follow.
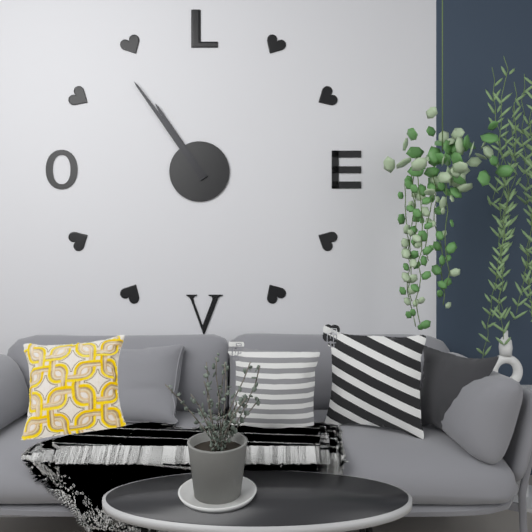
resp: 10h54
